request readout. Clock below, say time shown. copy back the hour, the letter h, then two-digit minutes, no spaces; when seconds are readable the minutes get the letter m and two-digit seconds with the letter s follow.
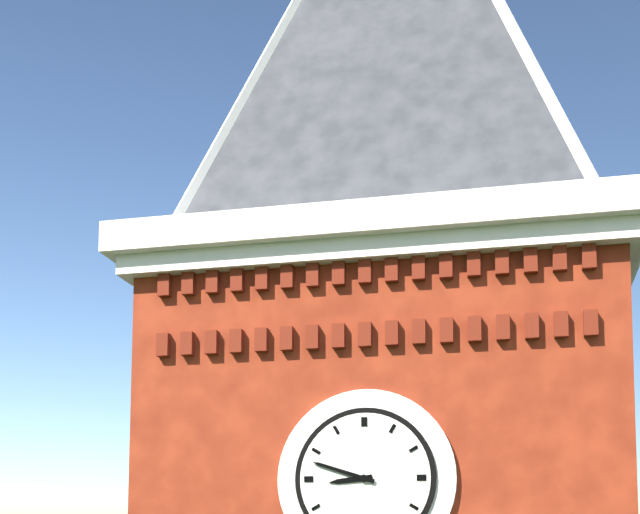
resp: 8h48
